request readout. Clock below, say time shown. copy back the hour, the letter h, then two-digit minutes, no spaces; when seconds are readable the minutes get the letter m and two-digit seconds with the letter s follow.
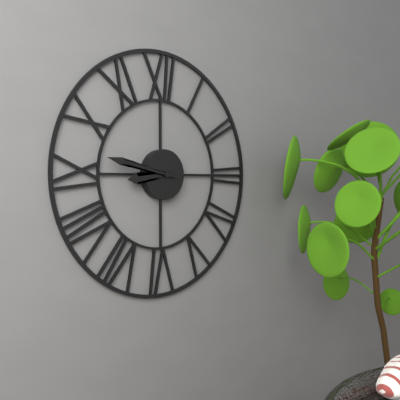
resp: 8h47
